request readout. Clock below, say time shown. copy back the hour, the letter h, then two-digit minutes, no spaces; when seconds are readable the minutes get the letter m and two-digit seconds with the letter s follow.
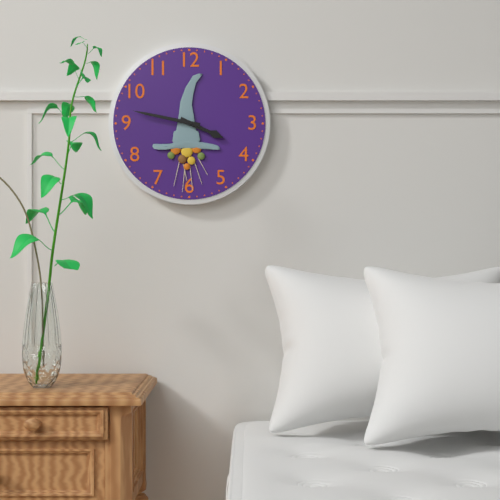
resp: 3h47
